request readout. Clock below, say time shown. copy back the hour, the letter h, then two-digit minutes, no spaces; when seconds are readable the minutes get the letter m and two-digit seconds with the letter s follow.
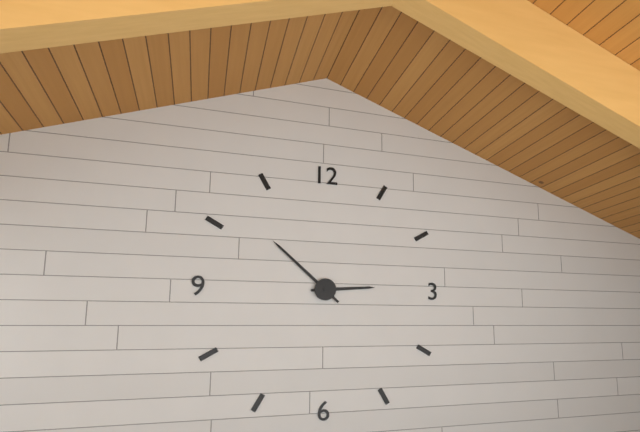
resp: 2h52
